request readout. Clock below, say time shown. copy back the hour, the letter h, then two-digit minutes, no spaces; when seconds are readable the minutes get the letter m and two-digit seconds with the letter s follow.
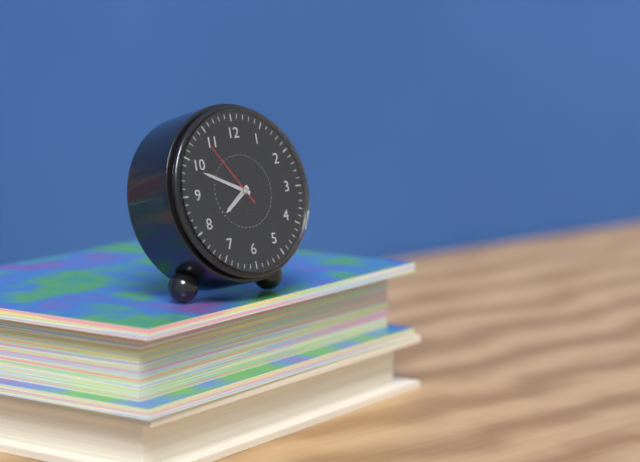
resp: 7h49m54s
